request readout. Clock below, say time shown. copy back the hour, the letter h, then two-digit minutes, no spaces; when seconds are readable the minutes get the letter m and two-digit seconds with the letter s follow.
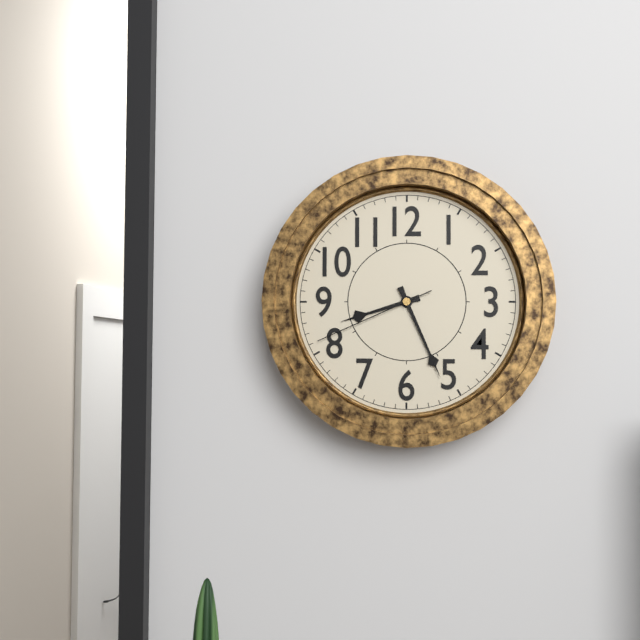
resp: 8h26m41s
